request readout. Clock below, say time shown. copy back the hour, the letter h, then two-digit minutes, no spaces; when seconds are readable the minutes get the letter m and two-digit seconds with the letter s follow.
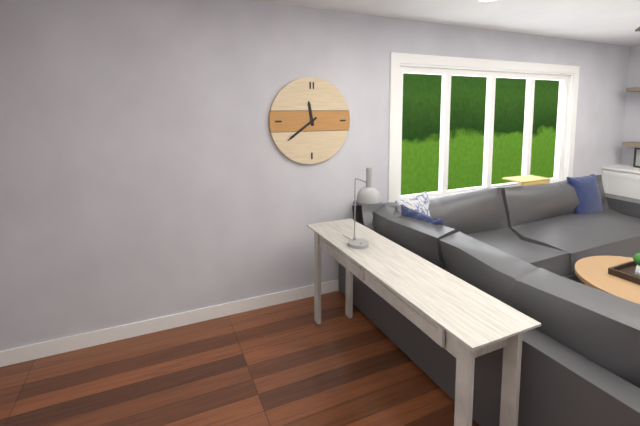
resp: 11h39
